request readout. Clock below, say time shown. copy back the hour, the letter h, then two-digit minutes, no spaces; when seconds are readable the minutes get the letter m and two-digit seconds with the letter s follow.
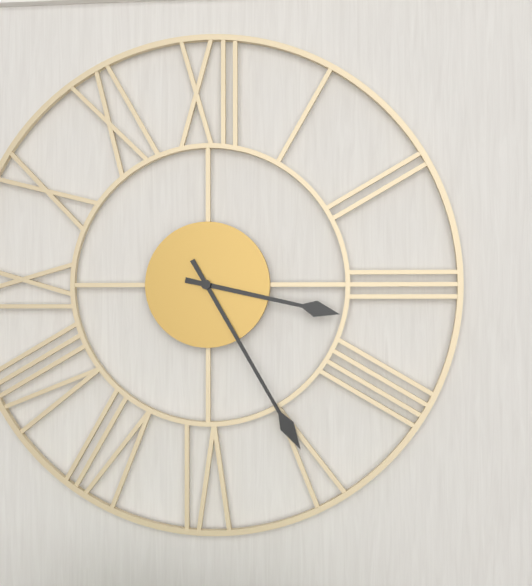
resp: 3h25
